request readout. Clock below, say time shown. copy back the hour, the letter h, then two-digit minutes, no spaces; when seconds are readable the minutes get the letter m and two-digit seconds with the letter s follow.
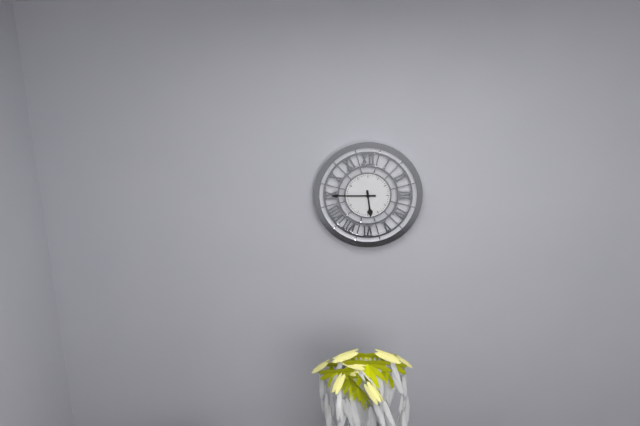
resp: 5h45
